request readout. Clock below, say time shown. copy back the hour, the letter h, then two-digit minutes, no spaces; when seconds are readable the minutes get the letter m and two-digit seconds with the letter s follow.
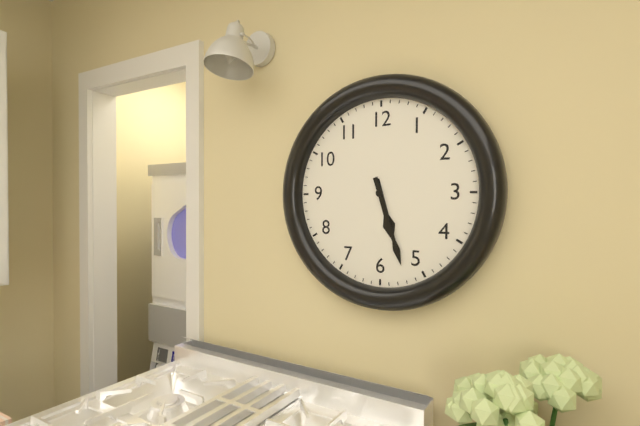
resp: 5h27
